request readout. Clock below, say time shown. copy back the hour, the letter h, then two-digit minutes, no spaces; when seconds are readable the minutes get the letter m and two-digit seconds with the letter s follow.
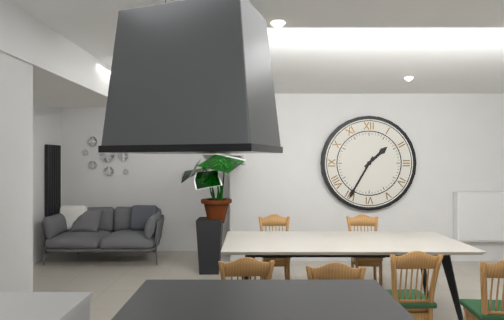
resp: 1h35
